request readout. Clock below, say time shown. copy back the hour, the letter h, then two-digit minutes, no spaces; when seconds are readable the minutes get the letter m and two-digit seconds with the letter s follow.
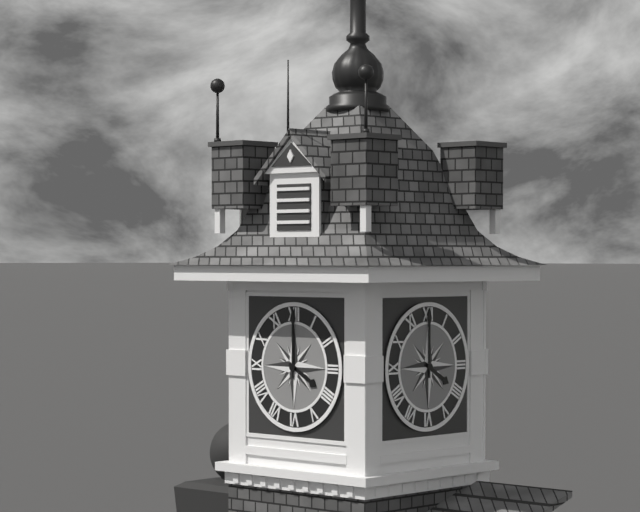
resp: 4h00
